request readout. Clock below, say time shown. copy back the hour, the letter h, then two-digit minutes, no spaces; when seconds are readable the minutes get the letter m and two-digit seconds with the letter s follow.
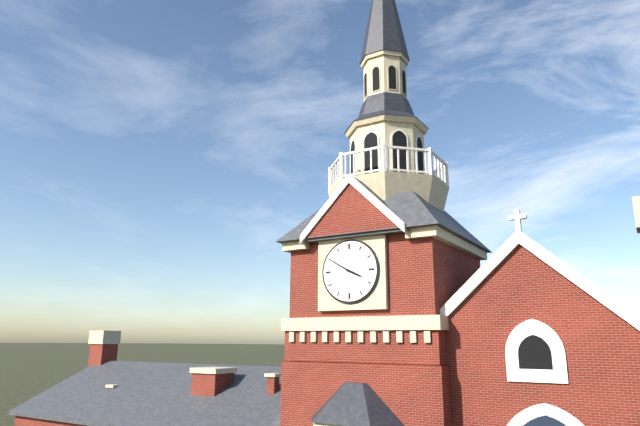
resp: 3h50
